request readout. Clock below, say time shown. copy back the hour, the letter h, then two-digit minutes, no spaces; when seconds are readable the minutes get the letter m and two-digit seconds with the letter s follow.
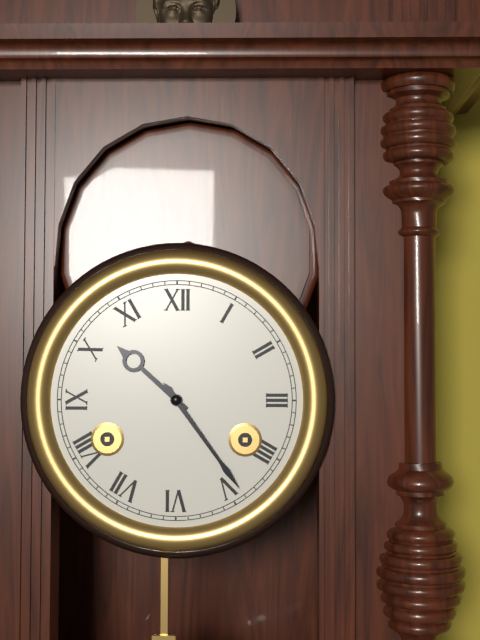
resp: 10h24
